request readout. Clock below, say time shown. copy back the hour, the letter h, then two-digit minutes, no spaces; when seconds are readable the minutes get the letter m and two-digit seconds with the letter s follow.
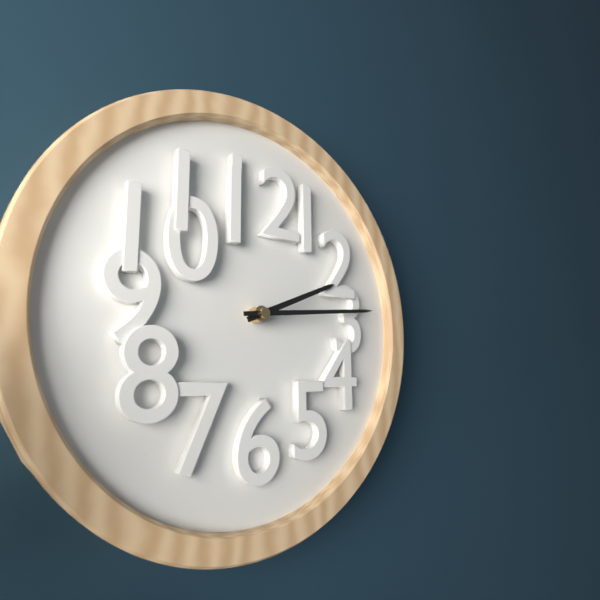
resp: 2h14
